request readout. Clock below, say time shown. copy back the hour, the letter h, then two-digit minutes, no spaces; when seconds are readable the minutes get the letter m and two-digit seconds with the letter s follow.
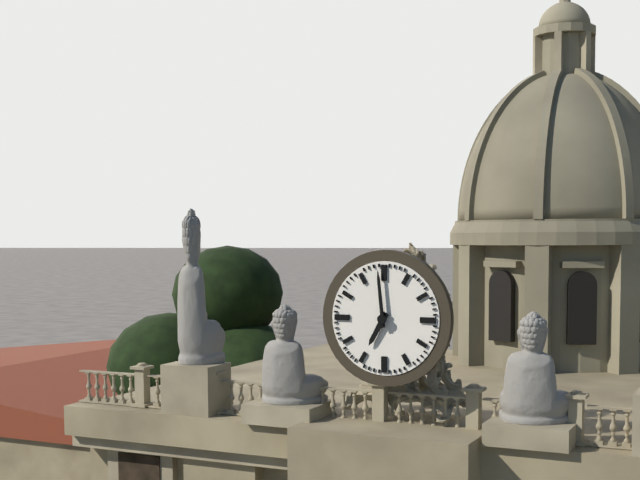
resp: 6h59
